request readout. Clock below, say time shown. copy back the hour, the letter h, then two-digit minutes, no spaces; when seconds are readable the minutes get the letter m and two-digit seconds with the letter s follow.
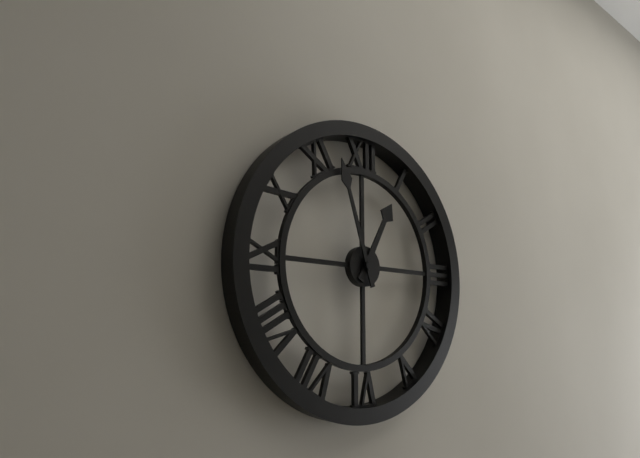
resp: 12h57
